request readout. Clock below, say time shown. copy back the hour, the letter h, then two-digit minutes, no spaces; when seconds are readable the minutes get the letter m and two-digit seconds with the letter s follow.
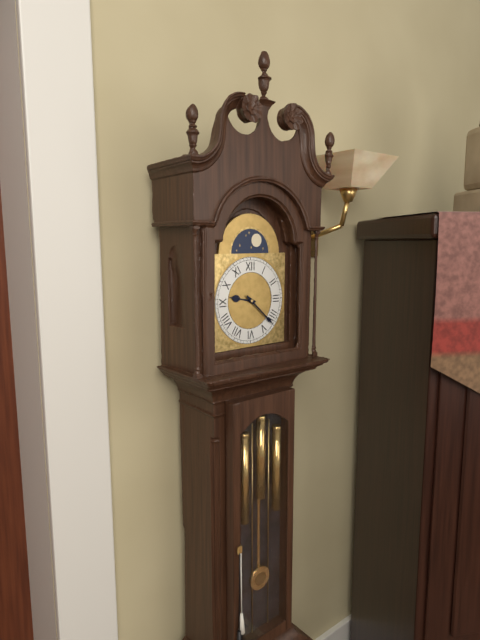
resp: 9h22
